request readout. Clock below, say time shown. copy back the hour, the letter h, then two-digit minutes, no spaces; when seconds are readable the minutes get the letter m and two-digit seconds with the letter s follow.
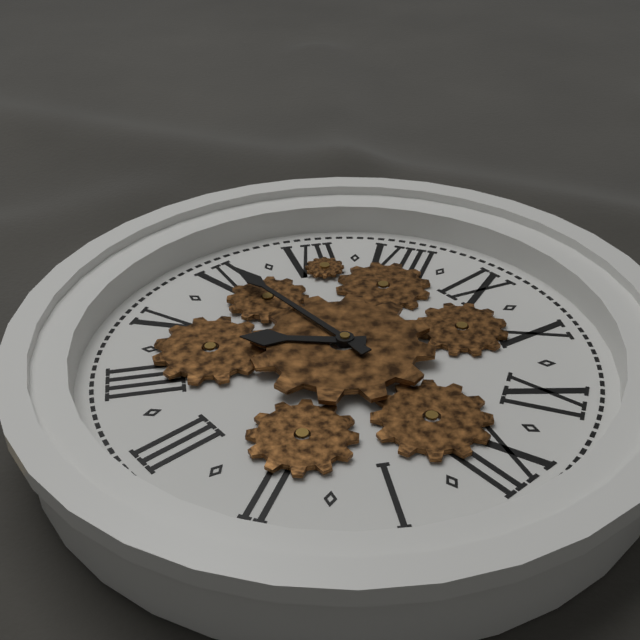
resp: 4h30
